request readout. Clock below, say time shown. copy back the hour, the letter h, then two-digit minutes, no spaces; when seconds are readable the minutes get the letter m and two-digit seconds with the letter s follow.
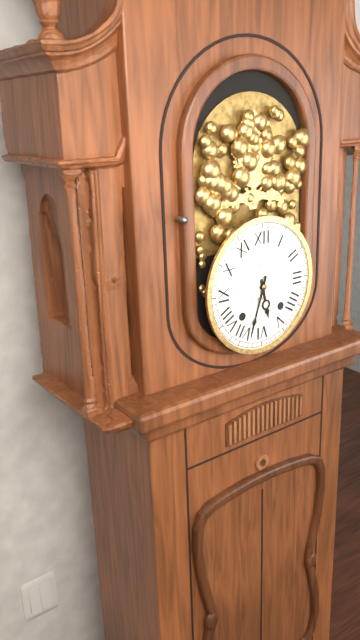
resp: 5h33
